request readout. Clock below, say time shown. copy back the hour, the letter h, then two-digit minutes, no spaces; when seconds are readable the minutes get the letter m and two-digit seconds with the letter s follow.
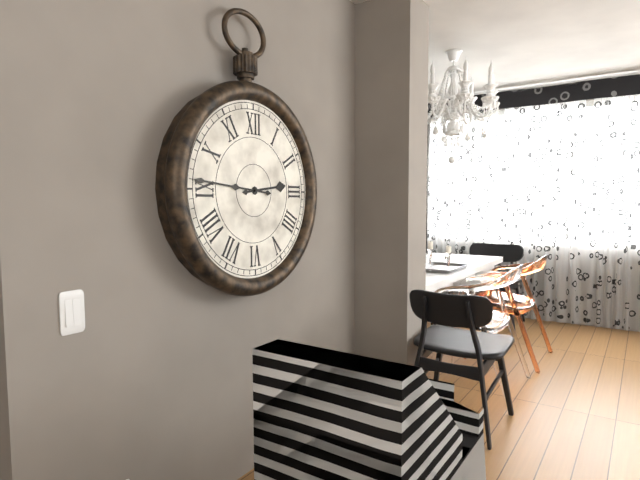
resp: 2h46
